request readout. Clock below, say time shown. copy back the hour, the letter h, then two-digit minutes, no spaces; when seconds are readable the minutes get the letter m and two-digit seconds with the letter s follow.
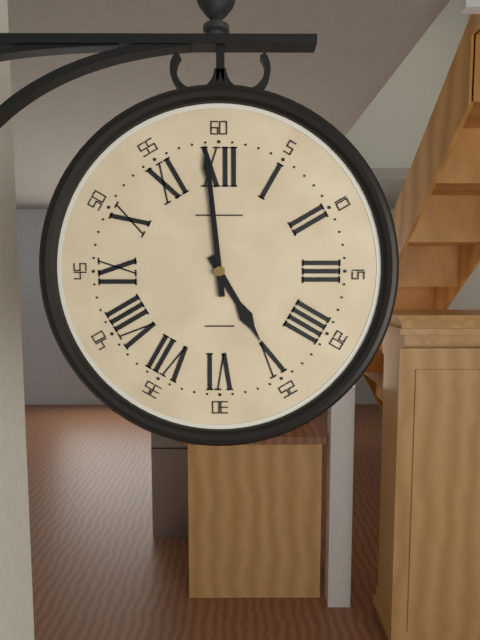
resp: 4h59
